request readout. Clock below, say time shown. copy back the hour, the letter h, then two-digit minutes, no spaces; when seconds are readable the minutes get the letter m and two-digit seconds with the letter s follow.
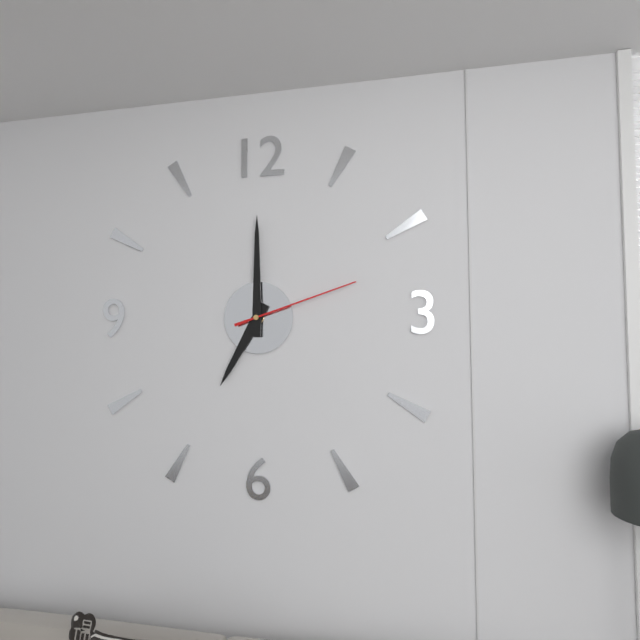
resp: 7h00m12s
